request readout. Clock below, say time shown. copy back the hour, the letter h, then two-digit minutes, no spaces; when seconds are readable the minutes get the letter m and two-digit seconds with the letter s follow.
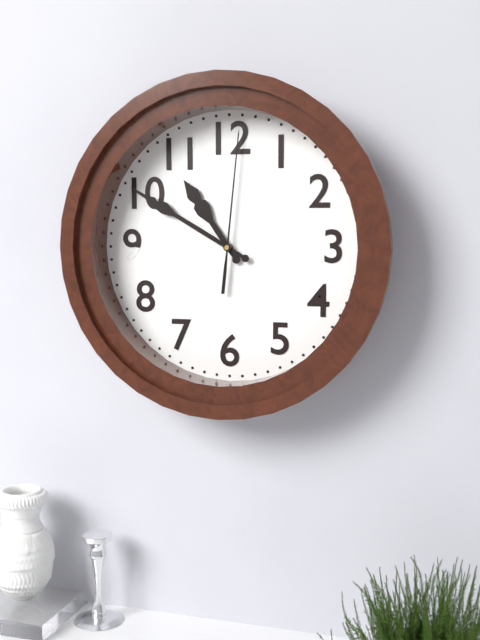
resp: 10h50m01s
